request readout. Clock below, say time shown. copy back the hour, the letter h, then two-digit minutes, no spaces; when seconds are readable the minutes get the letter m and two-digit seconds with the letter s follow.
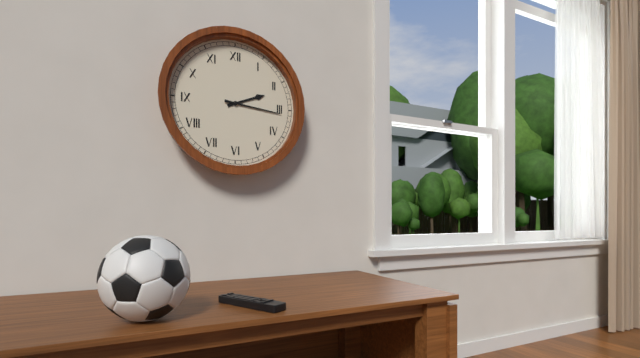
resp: 2h16
